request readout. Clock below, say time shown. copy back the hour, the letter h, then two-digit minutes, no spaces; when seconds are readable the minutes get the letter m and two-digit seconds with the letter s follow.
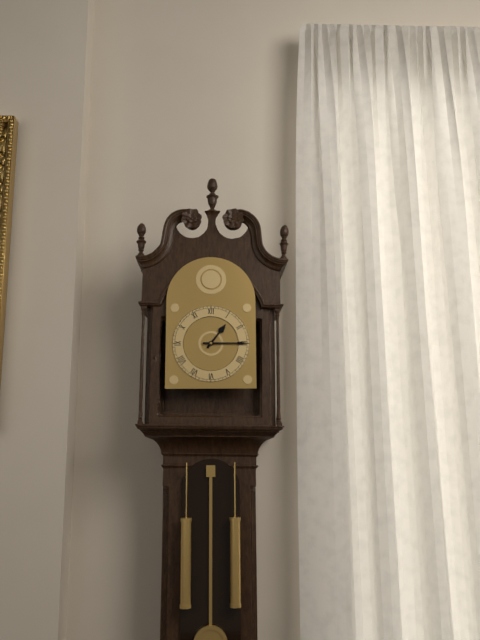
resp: 1h15
